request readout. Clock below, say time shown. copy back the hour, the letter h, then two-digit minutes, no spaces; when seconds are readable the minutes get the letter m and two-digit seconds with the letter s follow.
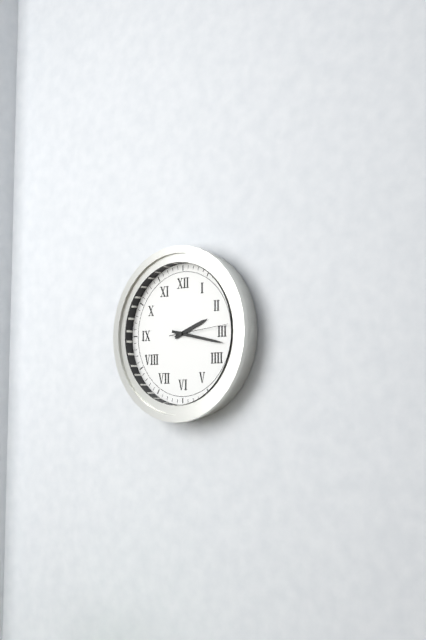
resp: 2h17m14s
